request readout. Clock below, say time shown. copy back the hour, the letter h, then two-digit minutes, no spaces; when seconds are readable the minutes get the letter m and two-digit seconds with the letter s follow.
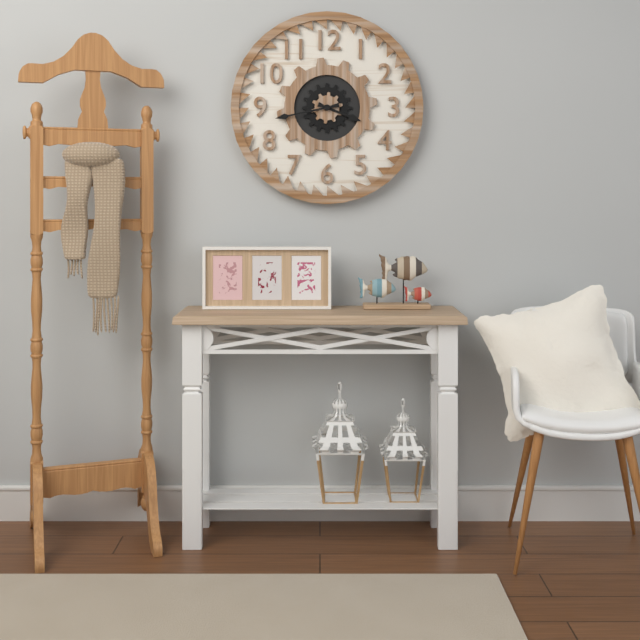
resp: 3h43
